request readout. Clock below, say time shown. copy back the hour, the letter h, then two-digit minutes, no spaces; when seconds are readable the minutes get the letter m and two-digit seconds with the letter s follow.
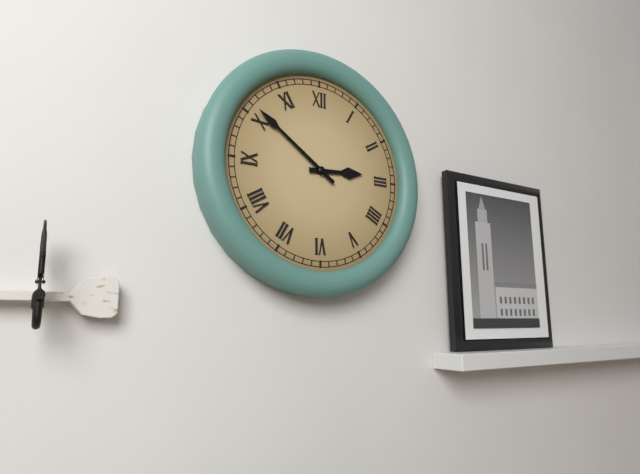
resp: 2h51
